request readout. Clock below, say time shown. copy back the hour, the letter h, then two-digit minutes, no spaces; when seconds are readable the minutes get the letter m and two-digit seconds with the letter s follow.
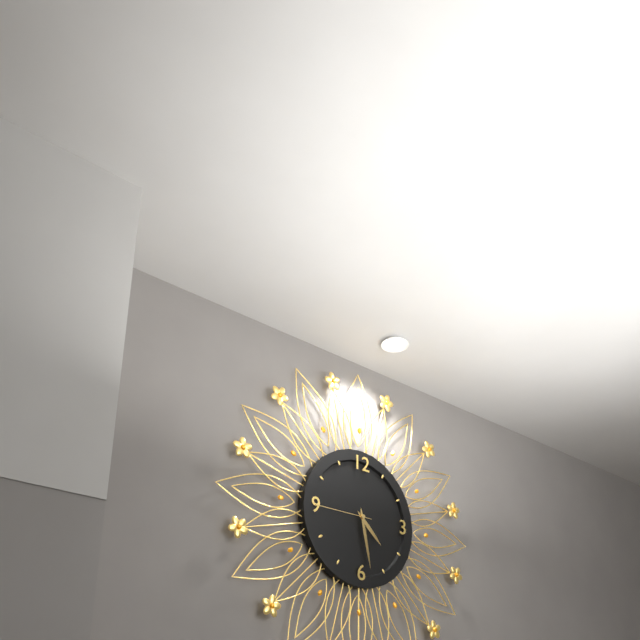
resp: 4h28m45s
